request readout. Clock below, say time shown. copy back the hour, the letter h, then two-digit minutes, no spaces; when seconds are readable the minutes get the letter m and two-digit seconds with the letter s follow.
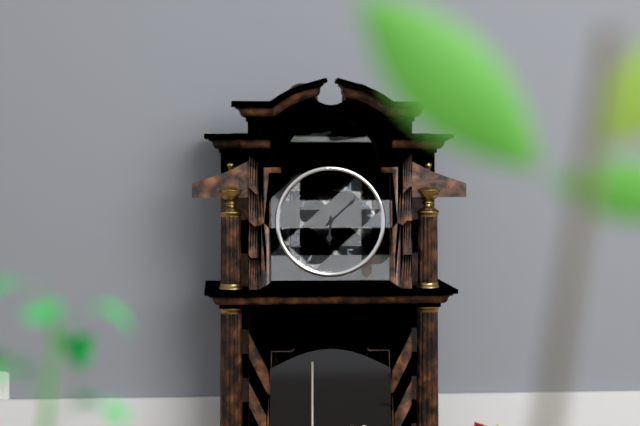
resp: 6h08
